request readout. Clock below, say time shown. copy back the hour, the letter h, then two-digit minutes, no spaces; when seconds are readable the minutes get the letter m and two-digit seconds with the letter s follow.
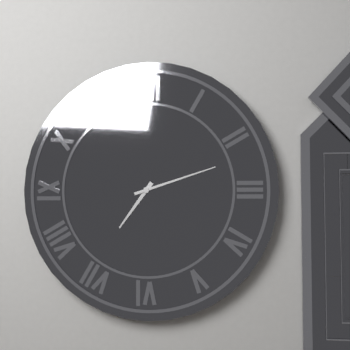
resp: 7h12
